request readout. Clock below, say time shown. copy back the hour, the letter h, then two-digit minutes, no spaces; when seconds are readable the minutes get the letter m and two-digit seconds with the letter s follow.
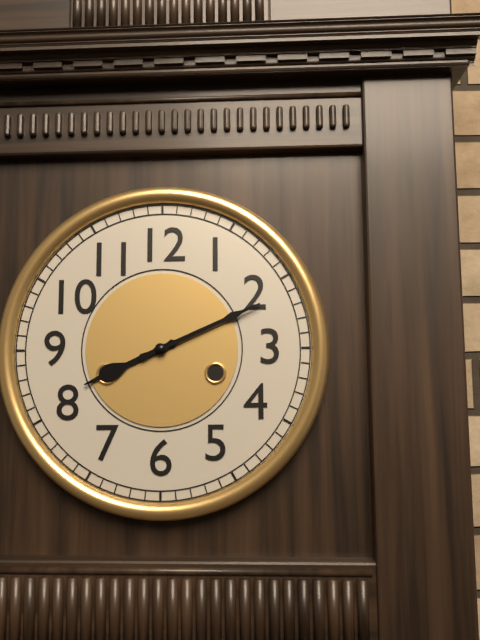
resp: 8h11
